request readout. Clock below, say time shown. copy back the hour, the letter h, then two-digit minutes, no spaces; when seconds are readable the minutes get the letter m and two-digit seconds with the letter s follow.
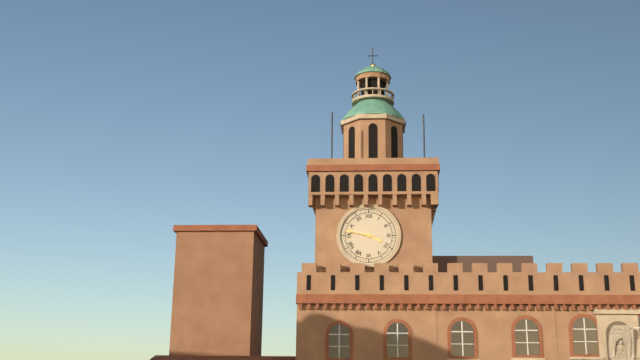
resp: 3h47
